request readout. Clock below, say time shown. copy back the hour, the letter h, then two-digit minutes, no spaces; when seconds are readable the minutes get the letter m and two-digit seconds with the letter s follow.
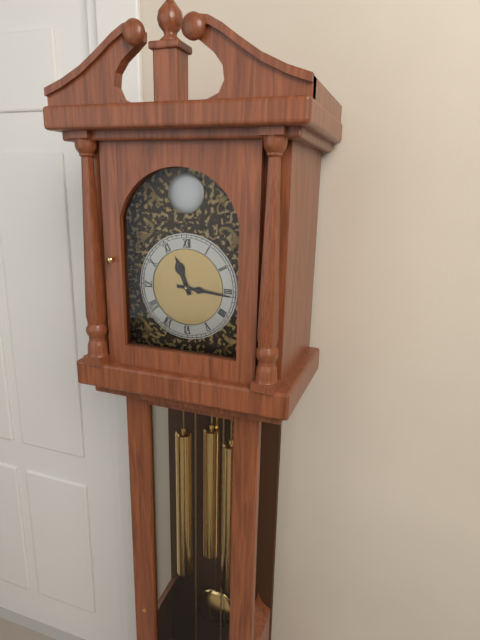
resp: 11h16
